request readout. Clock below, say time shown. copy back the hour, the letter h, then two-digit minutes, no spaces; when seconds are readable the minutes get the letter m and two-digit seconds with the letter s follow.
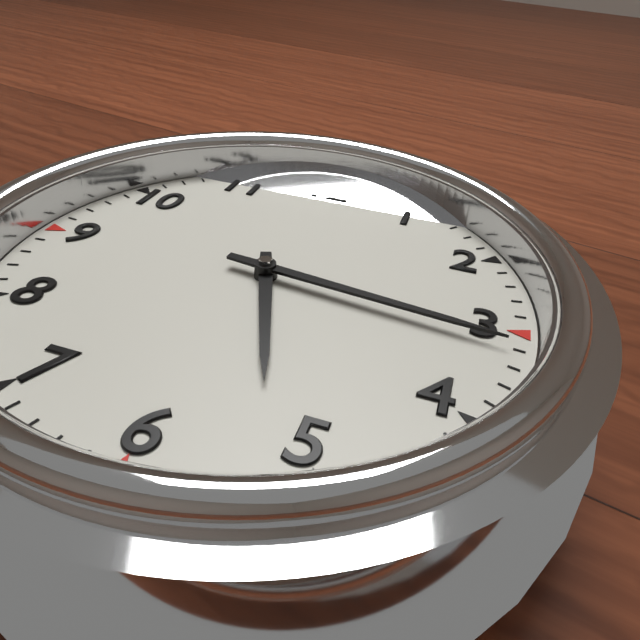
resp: 5h16
